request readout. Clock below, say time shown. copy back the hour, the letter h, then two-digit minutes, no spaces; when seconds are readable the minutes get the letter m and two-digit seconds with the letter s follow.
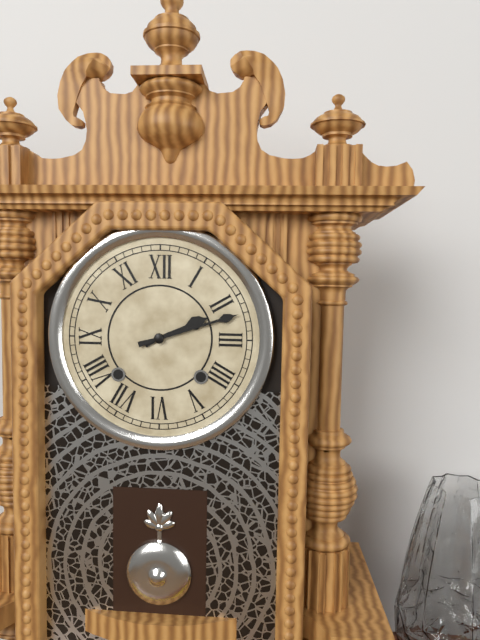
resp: 2h12
